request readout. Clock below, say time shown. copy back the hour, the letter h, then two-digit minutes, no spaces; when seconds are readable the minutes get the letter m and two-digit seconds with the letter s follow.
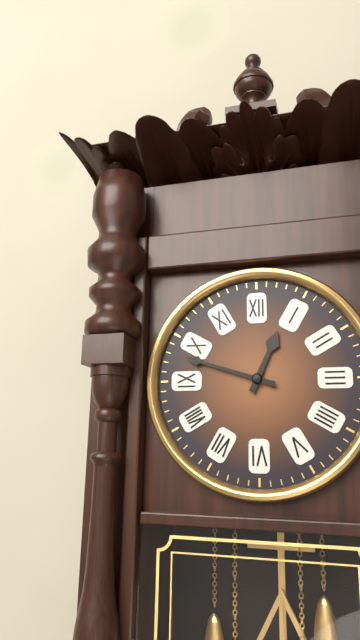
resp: 12h48
